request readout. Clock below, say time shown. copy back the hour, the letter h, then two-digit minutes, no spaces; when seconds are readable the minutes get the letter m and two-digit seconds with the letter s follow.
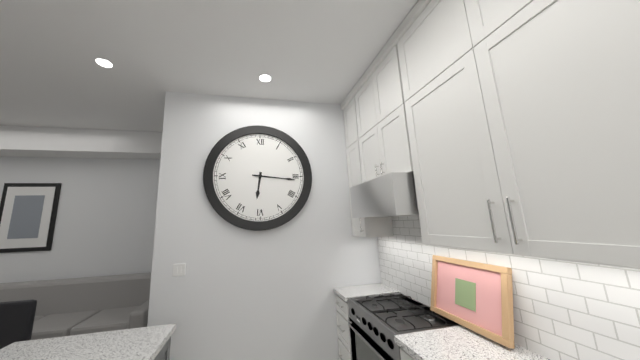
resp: 6h16
